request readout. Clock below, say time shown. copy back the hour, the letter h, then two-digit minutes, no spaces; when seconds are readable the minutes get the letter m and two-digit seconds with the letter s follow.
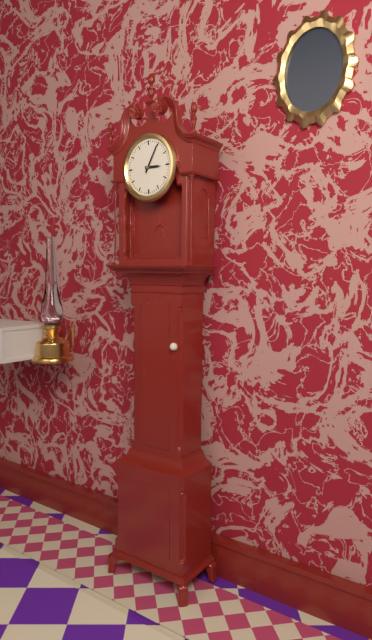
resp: 3h05
